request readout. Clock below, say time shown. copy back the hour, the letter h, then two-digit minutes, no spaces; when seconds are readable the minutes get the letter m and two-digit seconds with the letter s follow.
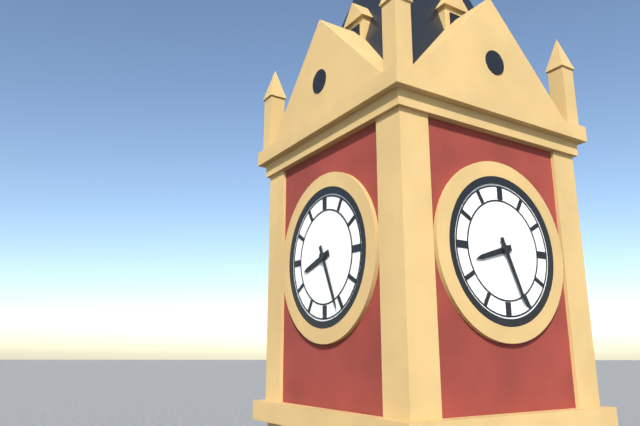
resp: 8h26
